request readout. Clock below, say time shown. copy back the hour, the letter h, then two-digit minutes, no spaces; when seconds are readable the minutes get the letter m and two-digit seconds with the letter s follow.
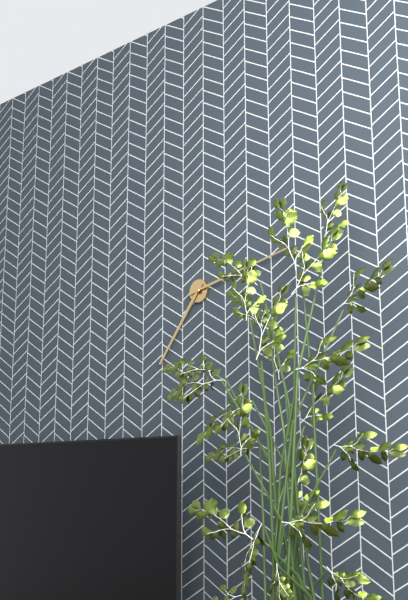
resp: 7h13
